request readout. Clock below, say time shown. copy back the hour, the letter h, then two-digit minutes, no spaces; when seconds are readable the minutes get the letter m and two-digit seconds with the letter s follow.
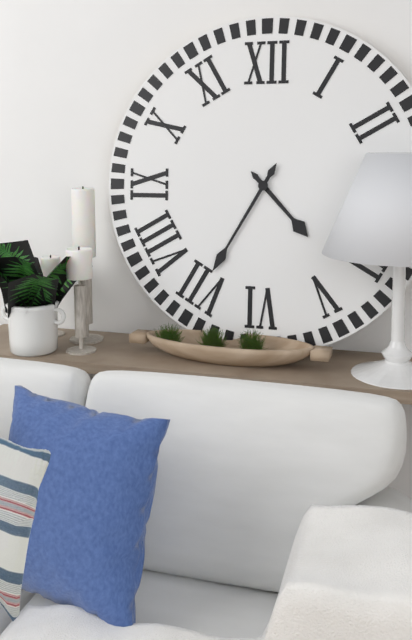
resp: 4h35
